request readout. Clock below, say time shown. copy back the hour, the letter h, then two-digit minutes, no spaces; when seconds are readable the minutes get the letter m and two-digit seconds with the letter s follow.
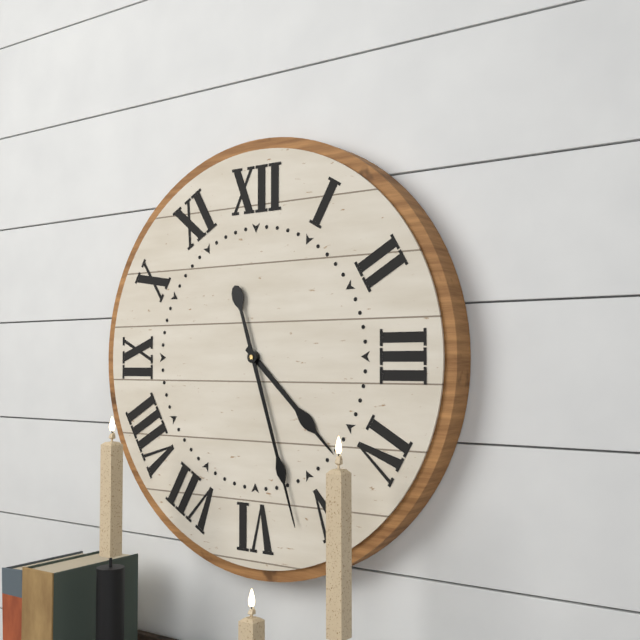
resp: 4h27
